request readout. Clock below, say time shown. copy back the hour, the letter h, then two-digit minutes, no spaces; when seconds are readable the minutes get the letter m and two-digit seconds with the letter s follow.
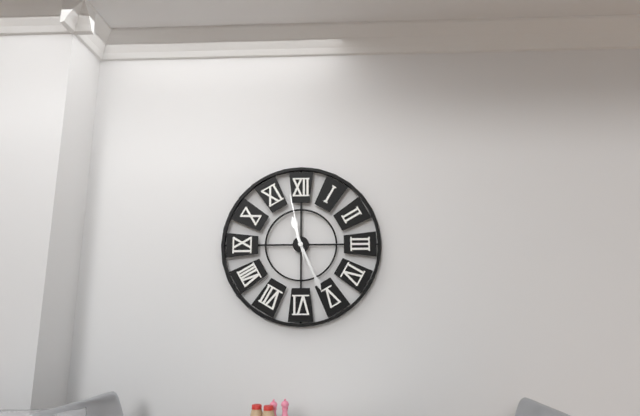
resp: 11h26m58s
